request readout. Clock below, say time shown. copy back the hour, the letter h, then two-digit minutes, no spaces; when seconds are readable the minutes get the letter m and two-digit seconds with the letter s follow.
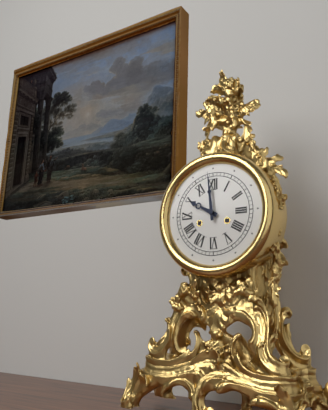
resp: 9h59
